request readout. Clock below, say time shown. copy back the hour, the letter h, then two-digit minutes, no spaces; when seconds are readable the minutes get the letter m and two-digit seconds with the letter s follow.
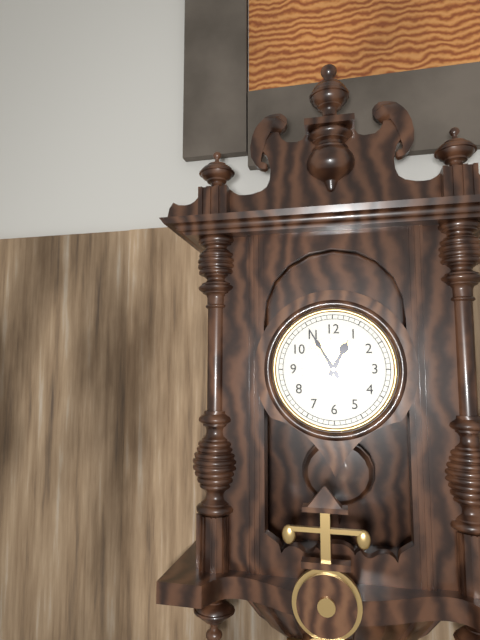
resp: 12h55
